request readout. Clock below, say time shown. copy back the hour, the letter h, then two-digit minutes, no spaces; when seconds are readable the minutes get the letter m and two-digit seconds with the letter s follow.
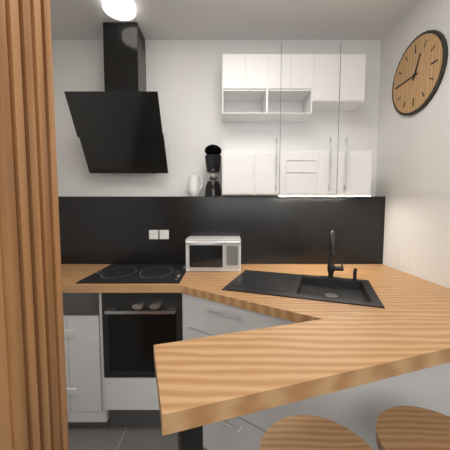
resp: 12h45
